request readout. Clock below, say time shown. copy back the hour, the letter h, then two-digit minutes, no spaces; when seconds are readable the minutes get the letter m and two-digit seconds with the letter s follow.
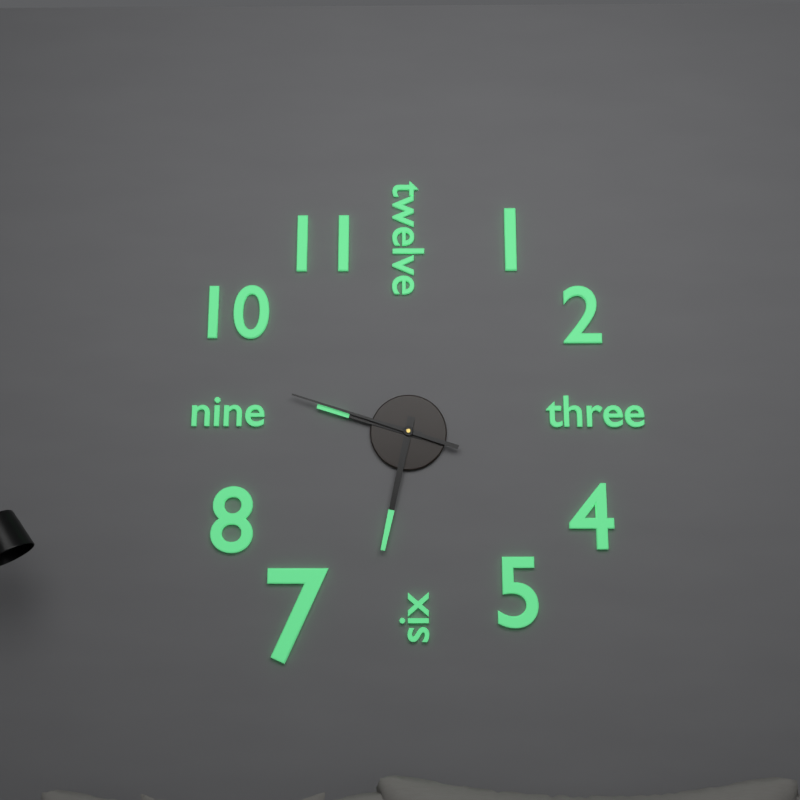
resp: 9h32m48s
